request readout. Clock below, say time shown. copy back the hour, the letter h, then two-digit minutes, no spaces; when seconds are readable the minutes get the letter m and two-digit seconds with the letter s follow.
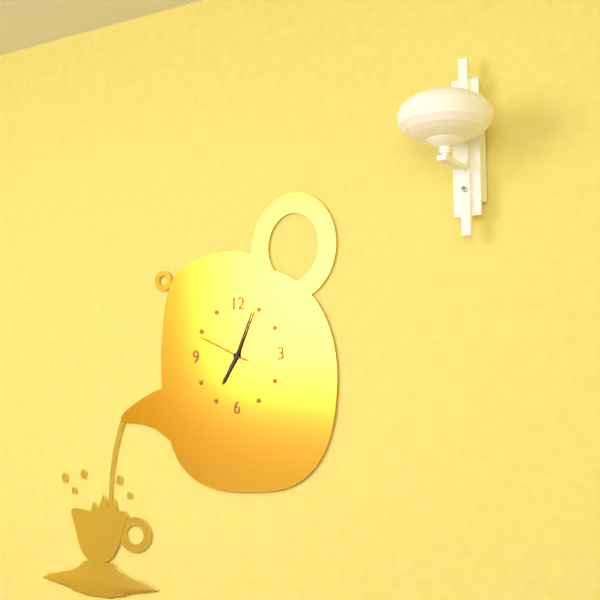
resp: 7h04m49s
